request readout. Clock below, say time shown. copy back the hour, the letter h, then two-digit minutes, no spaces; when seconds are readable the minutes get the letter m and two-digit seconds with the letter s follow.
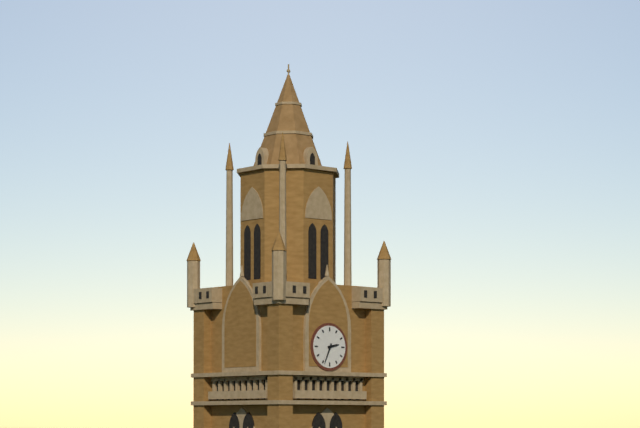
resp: 2h34
